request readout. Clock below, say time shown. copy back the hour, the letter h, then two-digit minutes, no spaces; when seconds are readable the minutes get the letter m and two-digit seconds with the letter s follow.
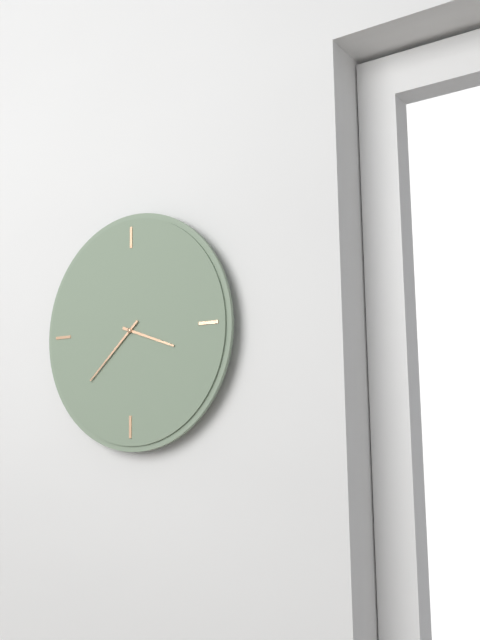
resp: 3h38
